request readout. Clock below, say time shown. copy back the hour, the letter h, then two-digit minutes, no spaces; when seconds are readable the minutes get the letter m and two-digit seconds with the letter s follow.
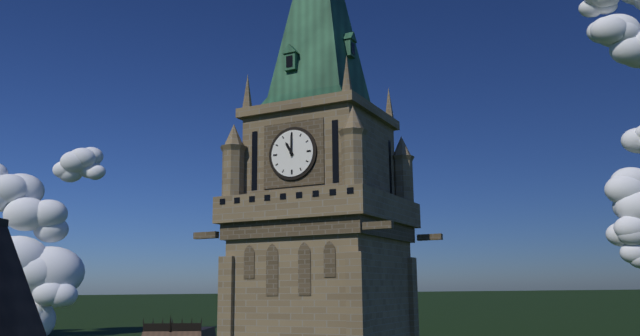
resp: 11h00
